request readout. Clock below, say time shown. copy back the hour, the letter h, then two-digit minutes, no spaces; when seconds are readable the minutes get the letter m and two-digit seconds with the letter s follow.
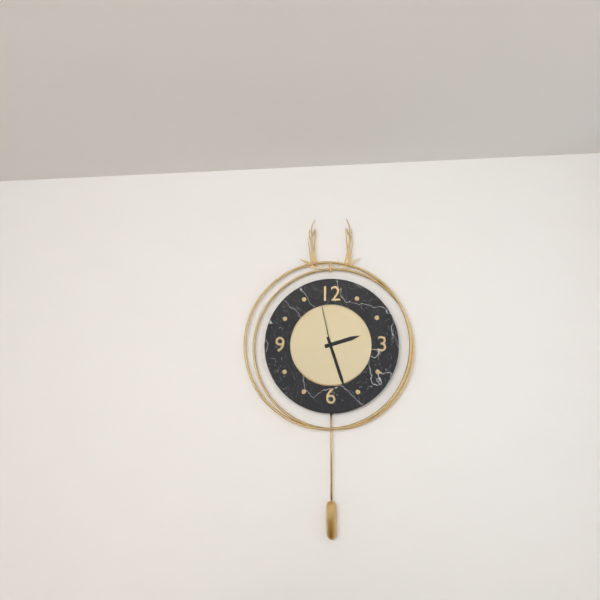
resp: 2h27
